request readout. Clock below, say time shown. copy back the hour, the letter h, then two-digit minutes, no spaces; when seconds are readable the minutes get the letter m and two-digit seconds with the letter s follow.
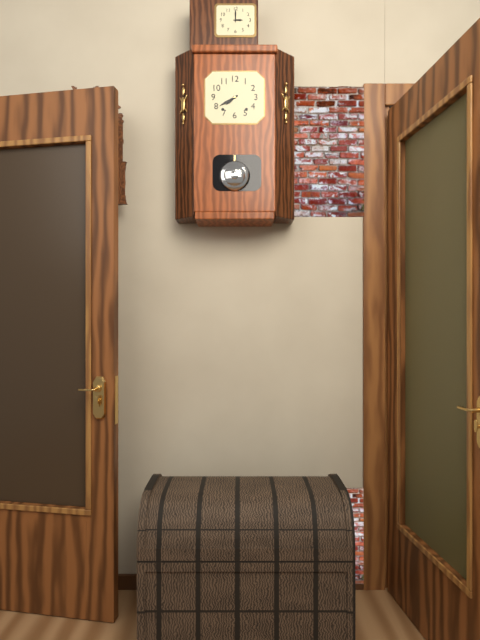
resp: 7h40
